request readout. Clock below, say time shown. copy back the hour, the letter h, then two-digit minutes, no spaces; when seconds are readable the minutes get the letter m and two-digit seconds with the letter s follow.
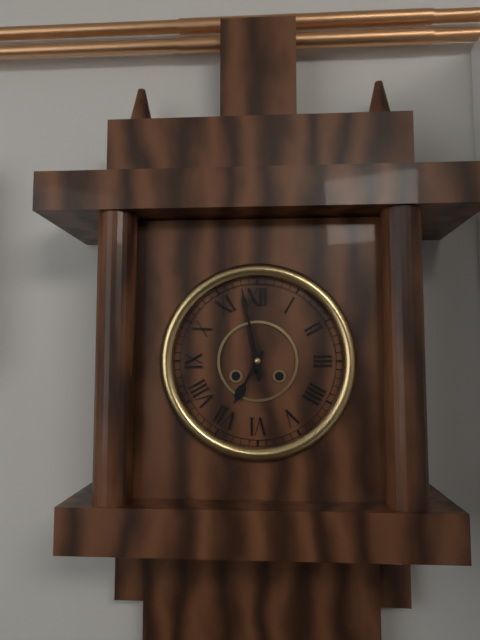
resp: 6h58
